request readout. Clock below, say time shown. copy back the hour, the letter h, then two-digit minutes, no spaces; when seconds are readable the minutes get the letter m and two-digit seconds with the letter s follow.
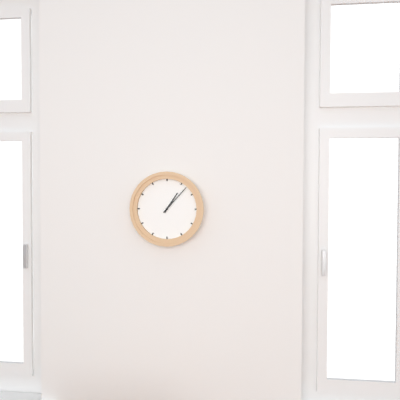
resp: 1h07
